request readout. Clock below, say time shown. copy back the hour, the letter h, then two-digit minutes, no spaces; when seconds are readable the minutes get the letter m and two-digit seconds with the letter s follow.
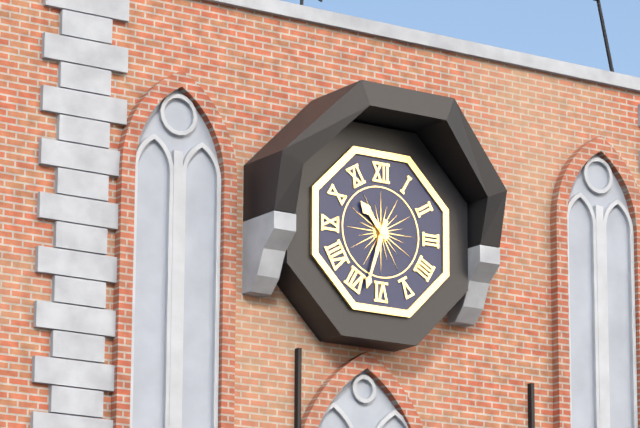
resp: 10h33
